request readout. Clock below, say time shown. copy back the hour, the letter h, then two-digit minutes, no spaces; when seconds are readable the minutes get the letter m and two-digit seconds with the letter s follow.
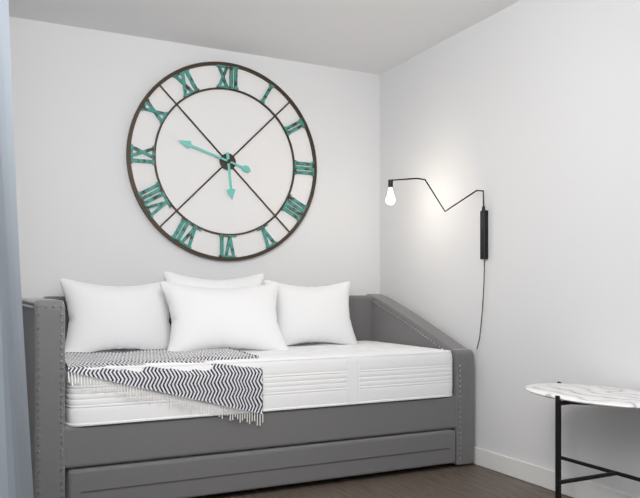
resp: 5h48
